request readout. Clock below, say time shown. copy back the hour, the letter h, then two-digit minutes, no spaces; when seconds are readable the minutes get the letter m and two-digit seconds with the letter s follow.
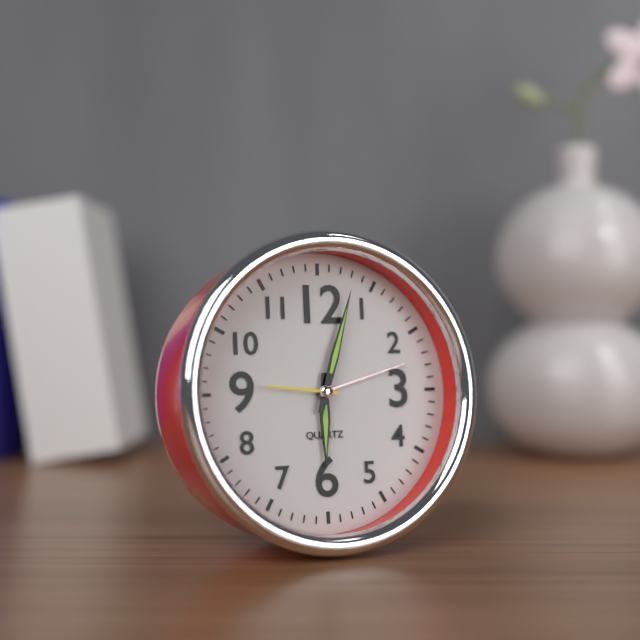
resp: 6h03m46s
